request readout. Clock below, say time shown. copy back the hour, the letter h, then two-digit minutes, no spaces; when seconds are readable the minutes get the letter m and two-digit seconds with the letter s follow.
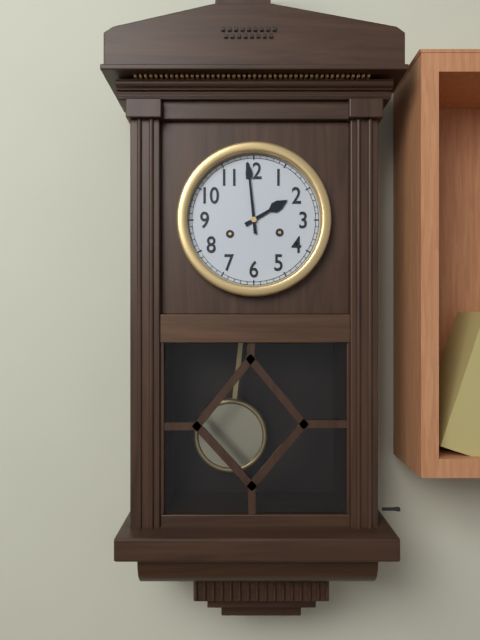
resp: 1h59
